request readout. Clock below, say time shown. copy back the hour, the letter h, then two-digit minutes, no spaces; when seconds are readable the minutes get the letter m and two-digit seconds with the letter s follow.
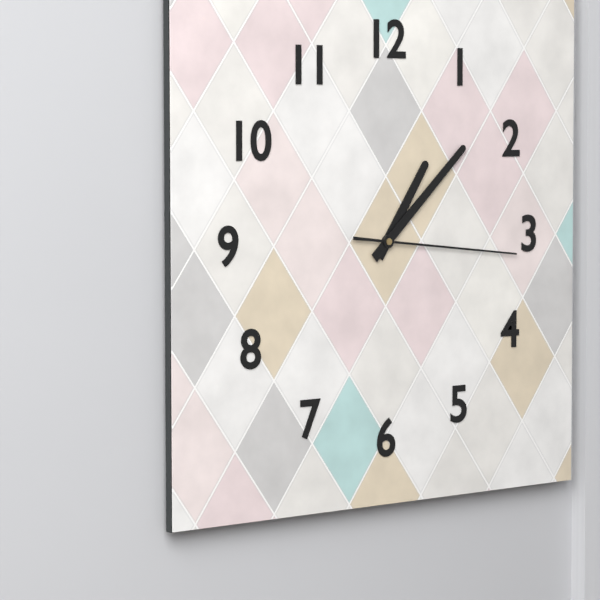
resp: 1h08m16s
